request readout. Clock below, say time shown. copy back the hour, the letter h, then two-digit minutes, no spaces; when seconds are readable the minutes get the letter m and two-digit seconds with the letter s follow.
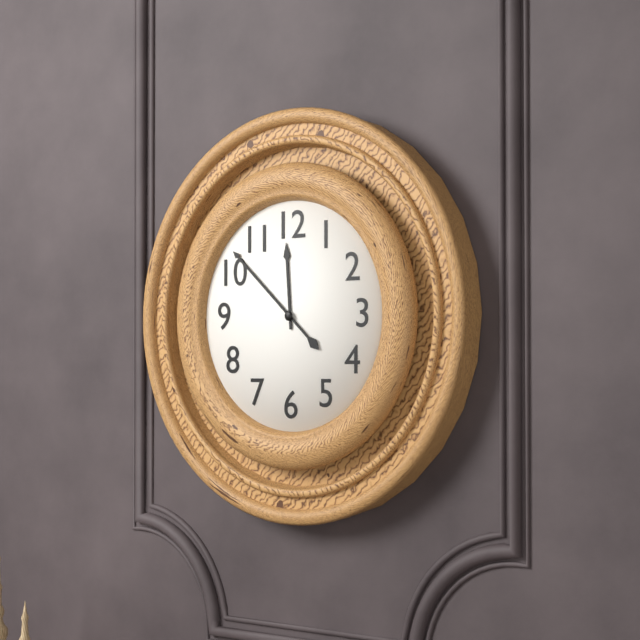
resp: 11h52
